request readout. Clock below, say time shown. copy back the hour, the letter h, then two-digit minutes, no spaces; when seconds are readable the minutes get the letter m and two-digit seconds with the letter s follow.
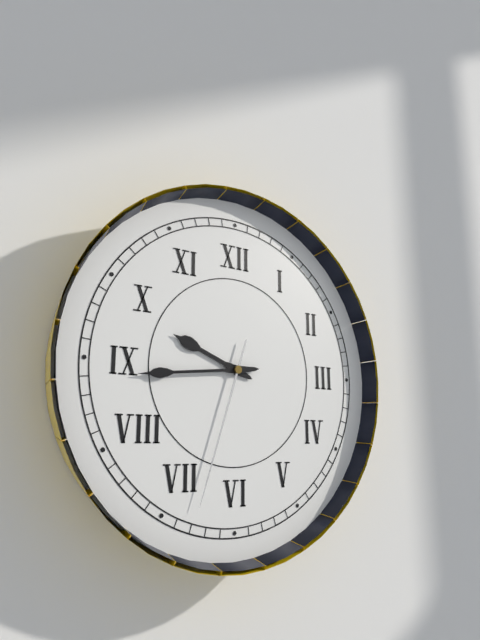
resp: 9h44m33s
